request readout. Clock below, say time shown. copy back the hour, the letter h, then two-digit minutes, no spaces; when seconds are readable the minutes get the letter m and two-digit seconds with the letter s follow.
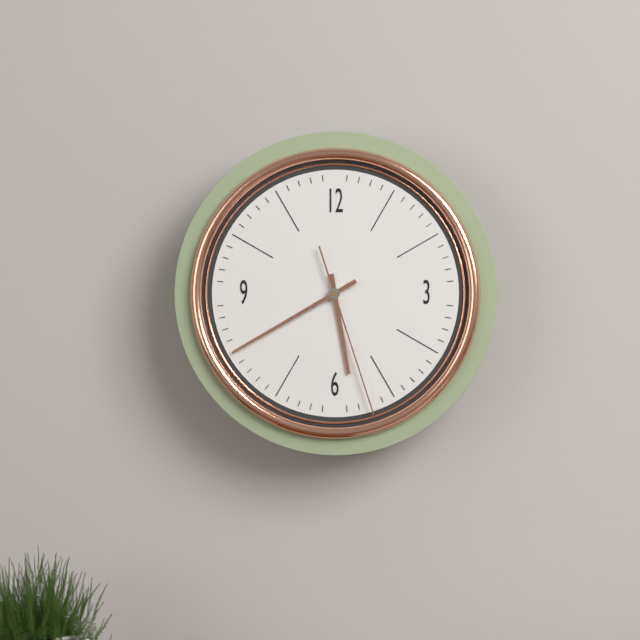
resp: 5h40m27s
